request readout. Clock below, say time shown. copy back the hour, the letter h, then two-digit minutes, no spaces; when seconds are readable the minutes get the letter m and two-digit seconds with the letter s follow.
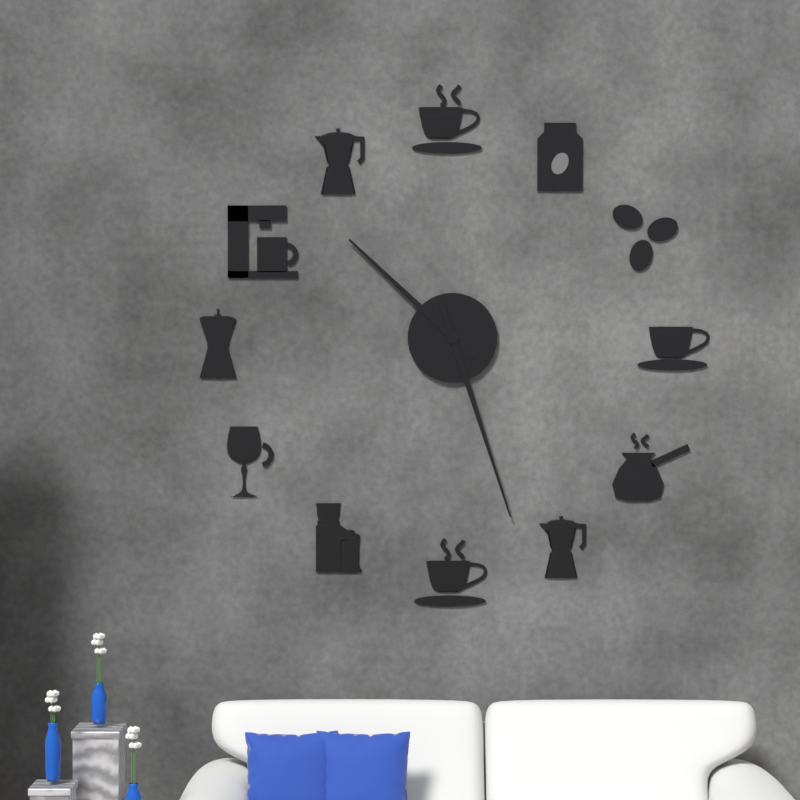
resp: 10h27
